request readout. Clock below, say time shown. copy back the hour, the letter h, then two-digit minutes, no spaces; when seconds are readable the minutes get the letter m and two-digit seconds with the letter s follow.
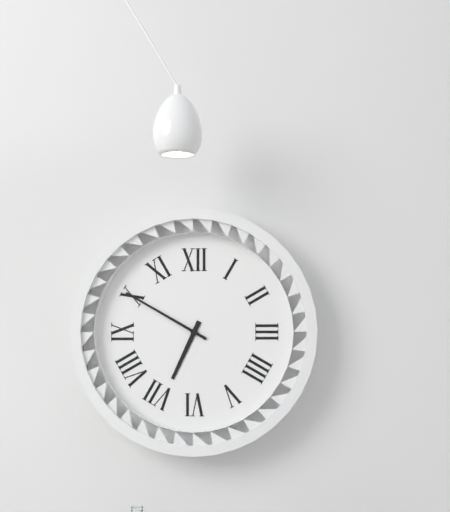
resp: 6h50
